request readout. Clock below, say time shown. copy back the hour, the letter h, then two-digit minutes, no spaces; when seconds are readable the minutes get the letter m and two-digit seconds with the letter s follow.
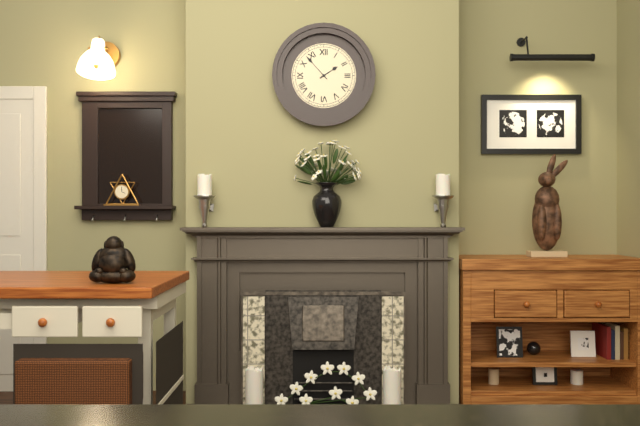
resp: 1h53
